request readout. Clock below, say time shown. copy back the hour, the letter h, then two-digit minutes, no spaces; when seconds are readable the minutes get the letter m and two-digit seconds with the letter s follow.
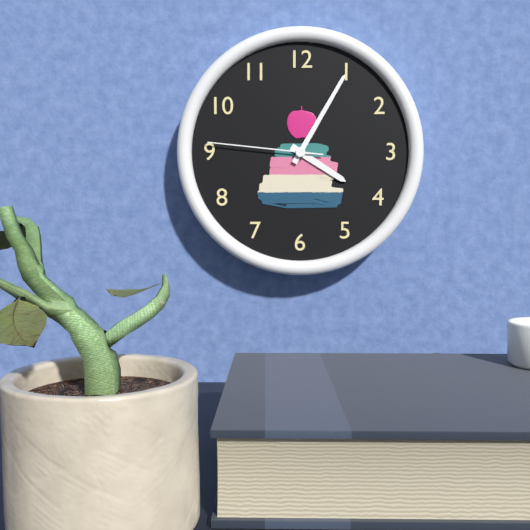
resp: 4h05m46s
